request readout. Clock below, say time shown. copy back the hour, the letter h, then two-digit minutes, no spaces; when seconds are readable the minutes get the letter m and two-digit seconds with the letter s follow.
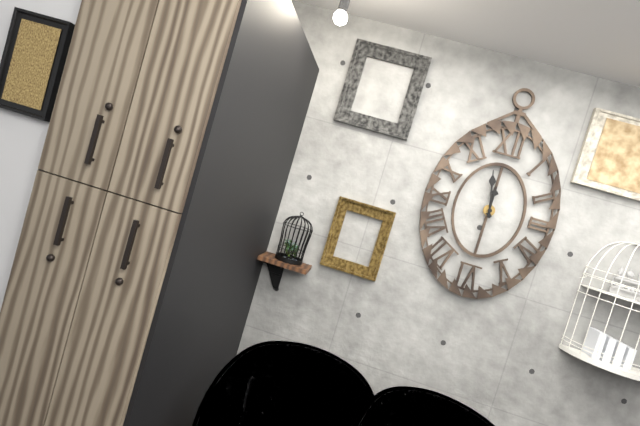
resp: 11h58
